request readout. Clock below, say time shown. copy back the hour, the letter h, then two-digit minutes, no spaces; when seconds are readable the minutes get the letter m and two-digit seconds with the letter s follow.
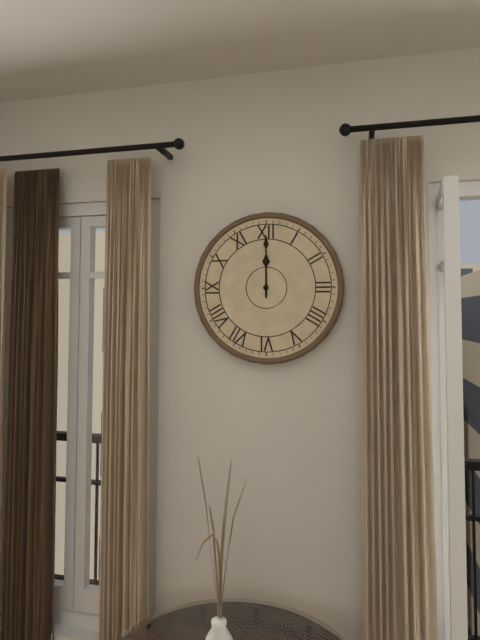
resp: 12h00
